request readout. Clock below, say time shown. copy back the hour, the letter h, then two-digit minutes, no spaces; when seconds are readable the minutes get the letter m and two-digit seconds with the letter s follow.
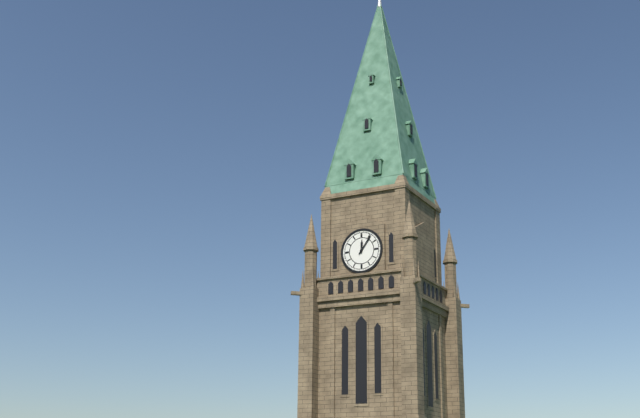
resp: 12h06
